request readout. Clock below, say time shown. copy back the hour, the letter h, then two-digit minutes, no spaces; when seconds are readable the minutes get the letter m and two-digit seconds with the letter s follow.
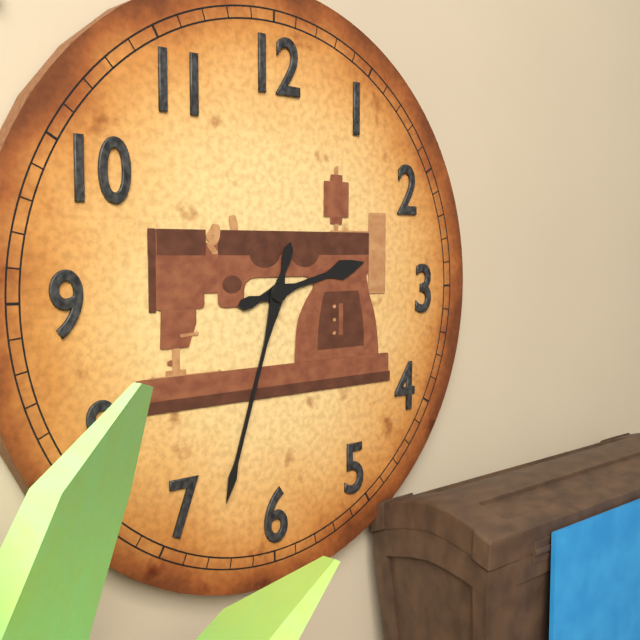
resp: 2h33
